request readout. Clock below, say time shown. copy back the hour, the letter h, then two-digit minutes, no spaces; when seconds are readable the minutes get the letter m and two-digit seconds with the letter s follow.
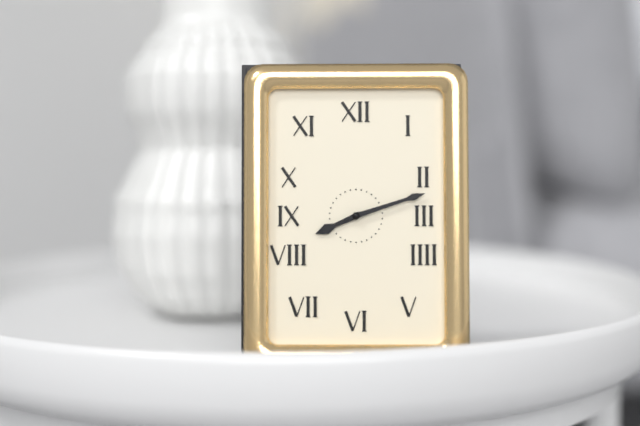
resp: 8h12
